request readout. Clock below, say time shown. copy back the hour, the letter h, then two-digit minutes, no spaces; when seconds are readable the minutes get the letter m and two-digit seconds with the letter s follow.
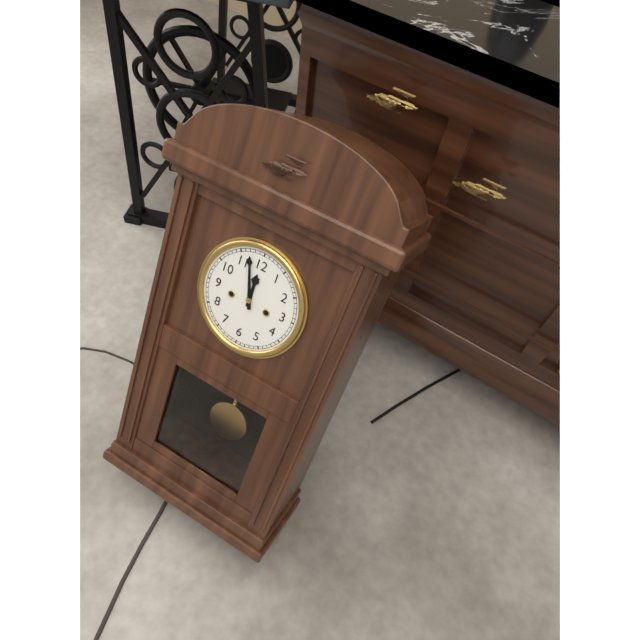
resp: 11h57
